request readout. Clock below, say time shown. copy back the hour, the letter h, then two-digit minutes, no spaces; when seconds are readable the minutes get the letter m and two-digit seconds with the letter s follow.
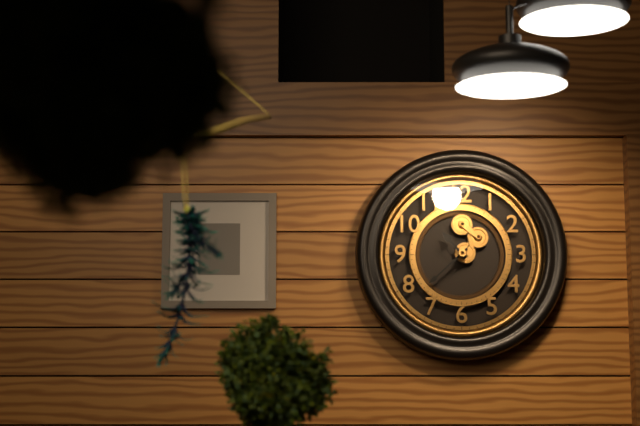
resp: 10h38m37s
